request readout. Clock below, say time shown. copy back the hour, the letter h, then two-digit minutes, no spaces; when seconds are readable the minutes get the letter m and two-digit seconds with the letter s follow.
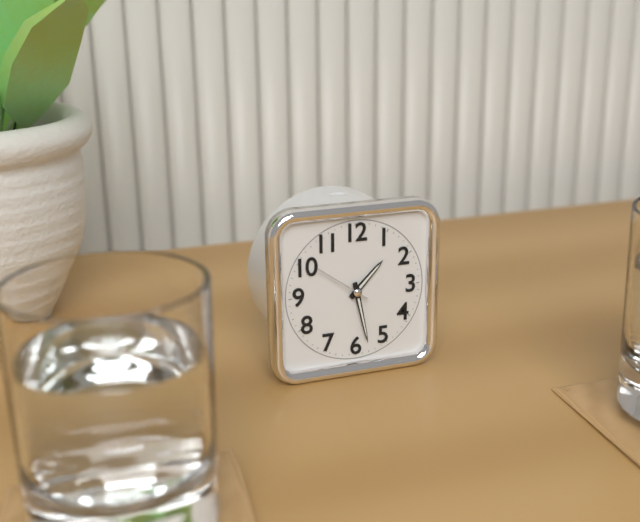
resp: 1h28m51s
